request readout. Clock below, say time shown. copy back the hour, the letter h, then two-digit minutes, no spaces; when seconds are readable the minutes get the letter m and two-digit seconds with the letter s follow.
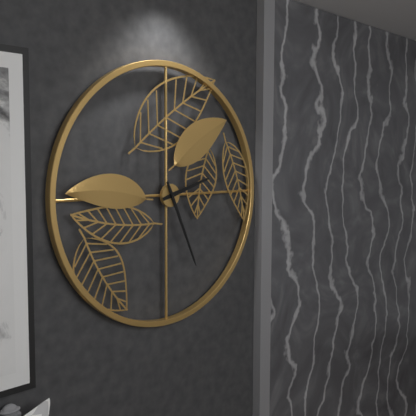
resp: 2h26
